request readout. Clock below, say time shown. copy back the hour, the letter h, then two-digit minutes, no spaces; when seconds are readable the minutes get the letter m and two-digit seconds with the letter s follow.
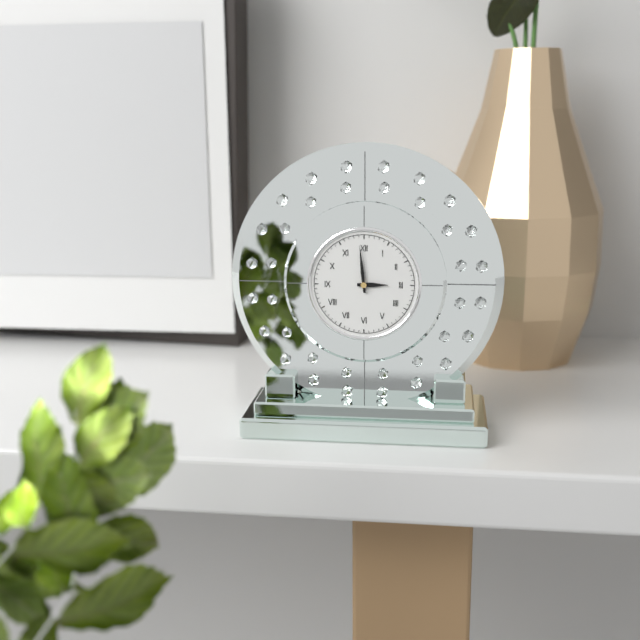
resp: 2h59
